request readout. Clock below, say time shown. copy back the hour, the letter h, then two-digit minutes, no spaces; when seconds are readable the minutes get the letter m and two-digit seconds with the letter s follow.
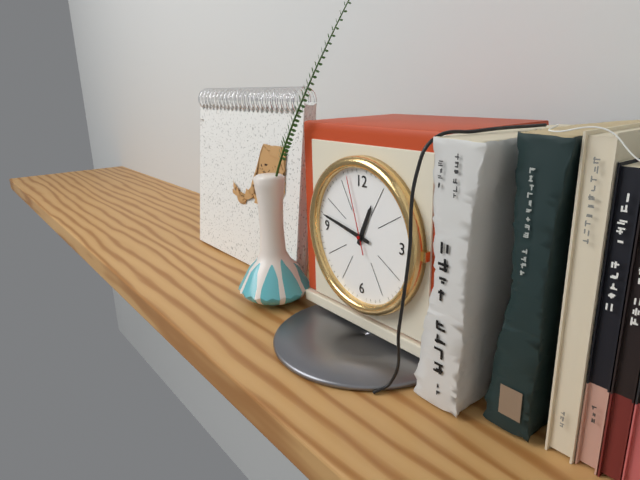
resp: 12h47m57s
